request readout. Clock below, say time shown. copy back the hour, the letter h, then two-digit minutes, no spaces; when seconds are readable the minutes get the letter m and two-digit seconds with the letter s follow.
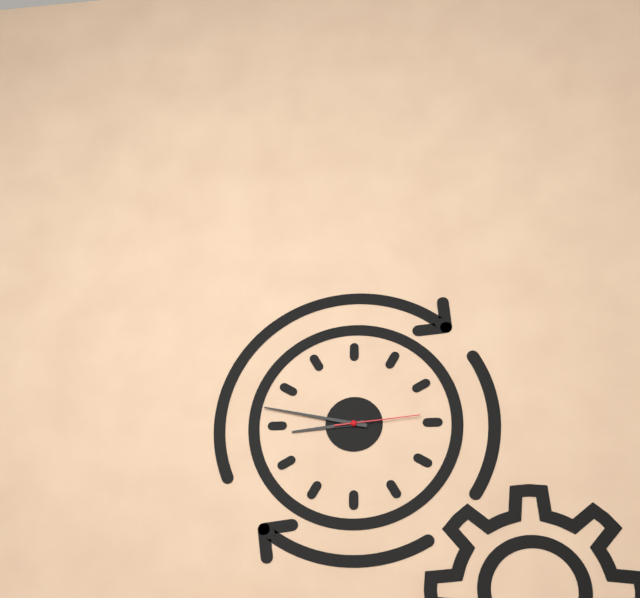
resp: 8h47m14s
